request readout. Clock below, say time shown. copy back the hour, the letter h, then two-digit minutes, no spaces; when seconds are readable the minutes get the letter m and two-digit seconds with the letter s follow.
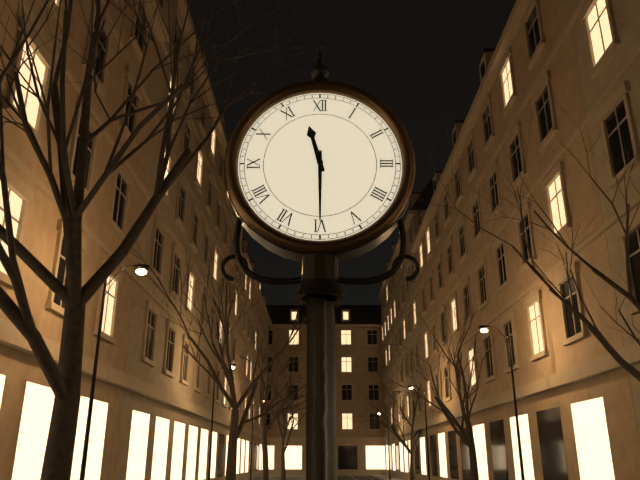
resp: 11h30
